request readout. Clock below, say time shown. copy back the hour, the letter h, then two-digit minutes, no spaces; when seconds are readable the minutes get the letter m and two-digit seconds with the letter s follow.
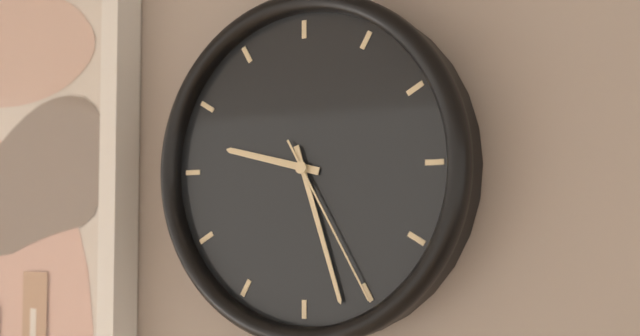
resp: 9h27m25s
